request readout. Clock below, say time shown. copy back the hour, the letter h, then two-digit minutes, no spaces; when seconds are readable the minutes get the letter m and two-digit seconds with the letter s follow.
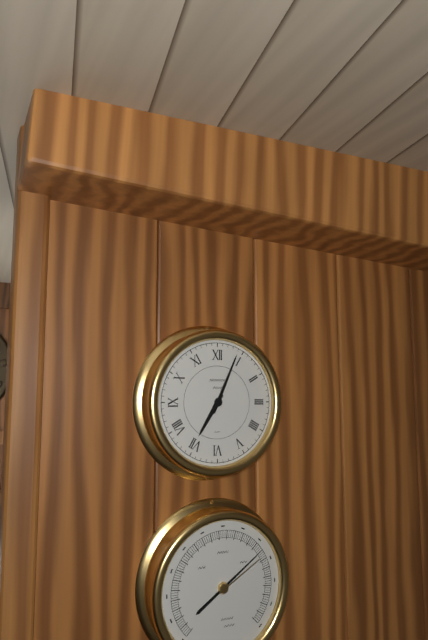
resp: 7h04
